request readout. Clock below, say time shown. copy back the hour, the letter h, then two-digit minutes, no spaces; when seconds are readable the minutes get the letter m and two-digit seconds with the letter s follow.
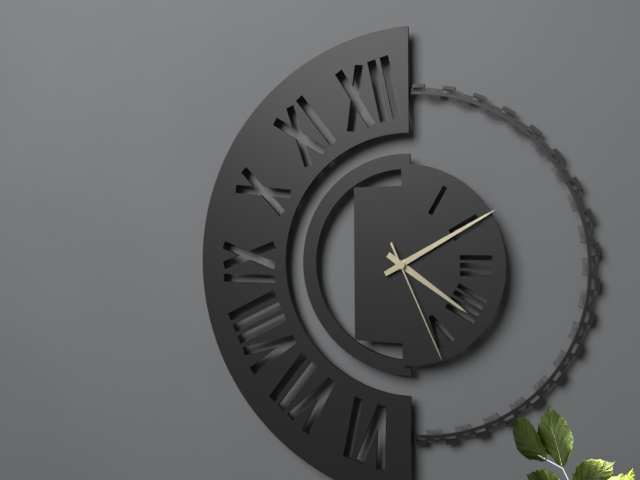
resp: 4h10m26s
